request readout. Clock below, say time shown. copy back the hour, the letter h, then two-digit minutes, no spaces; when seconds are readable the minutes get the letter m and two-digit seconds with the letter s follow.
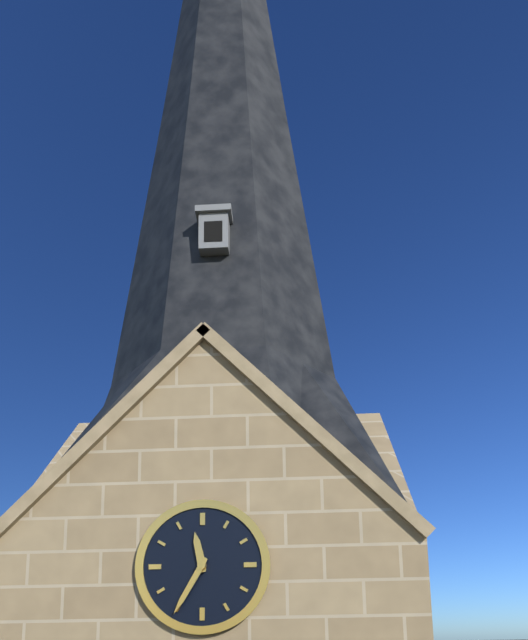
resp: 11h35
